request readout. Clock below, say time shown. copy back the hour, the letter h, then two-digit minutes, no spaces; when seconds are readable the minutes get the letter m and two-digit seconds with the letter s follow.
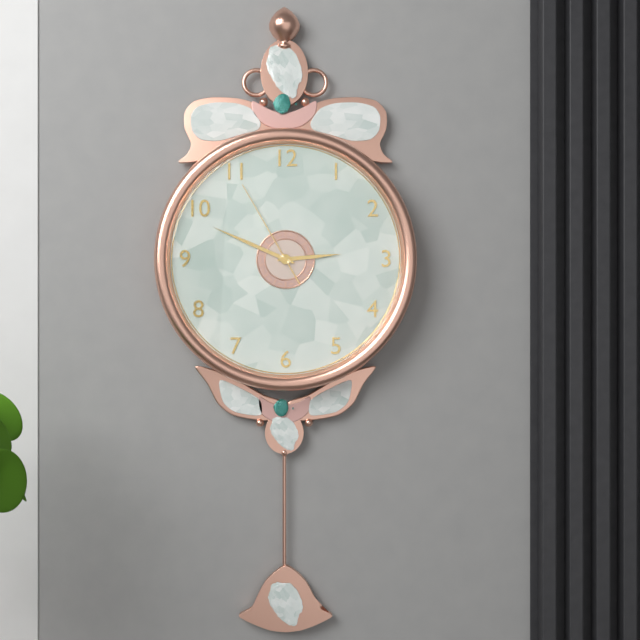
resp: 2h49m55s
